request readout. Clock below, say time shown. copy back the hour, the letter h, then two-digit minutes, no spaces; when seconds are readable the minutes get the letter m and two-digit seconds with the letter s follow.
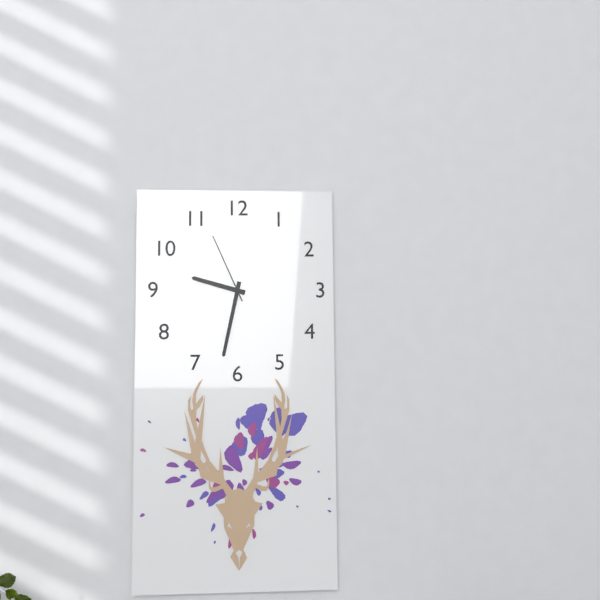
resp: 9h32m56s
